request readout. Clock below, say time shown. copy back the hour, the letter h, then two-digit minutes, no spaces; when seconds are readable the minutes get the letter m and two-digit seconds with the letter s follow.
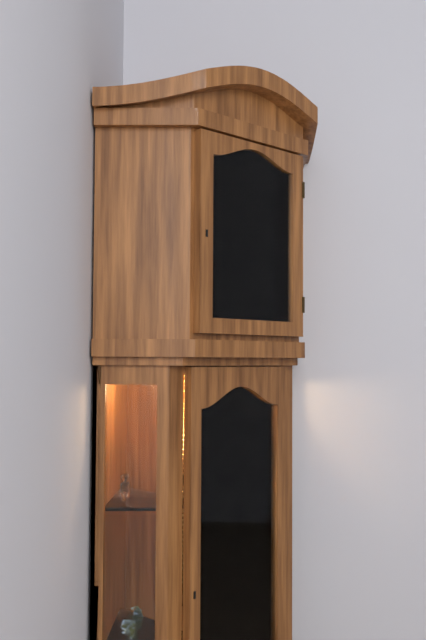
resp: 12h56
